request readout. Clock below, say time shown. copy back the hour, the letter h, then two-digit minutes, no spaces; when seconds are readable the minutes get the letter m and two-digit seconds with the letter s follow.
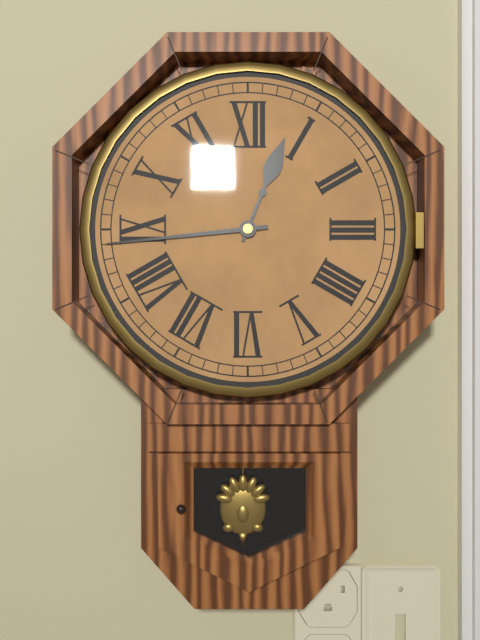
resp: 12h44
